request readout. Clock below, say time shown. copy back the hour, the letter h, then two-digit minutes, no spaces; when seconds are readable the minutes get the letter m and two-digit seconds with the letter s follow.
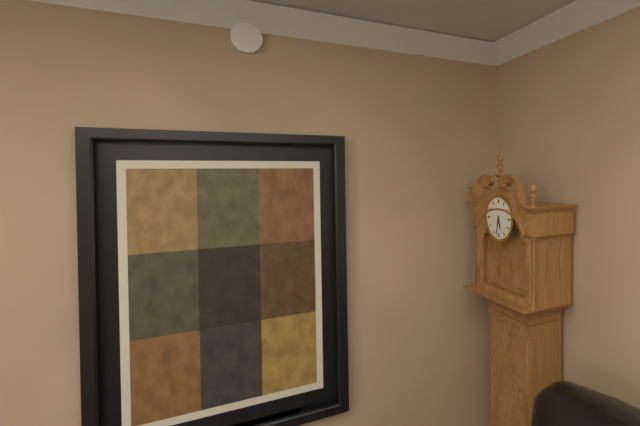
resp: 5h32
